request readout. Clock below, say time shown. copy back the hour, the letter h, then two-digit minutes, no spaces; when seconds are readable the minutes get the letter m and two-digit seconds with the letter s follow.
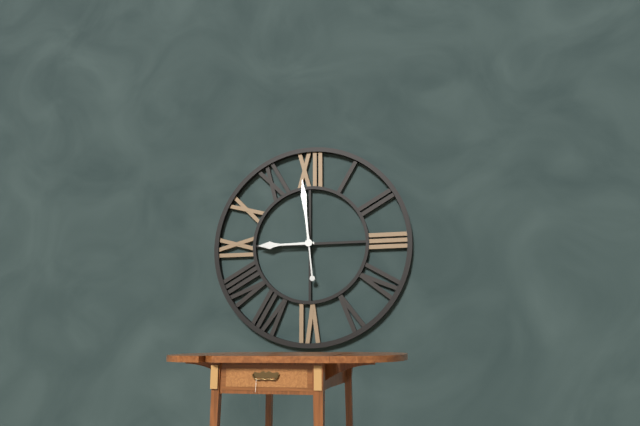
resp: 8h59
